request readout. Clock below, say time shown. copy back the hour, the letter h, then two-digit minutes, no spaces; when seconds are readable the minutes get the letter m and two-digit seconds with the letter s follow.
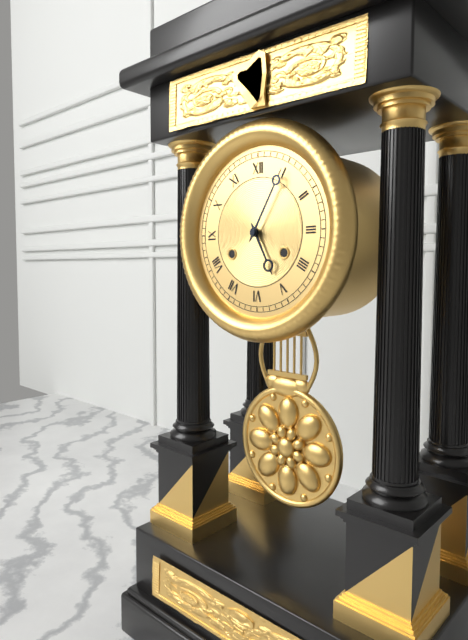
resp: 5h05
